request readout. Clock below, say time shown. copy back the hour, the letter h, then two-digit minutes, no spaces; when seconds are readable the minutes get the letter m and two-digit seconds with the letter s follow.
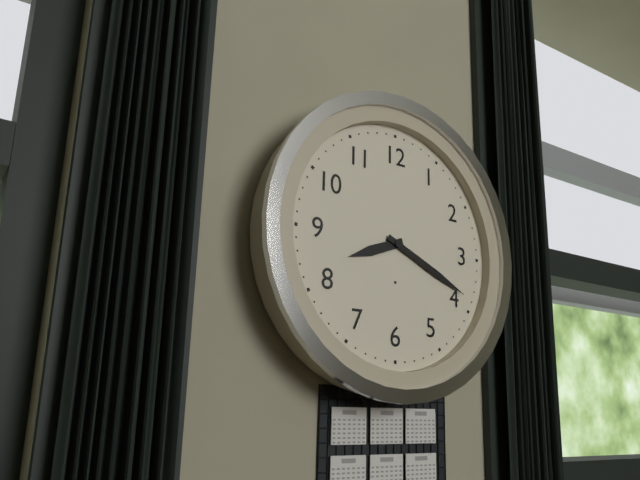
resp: 8h19
